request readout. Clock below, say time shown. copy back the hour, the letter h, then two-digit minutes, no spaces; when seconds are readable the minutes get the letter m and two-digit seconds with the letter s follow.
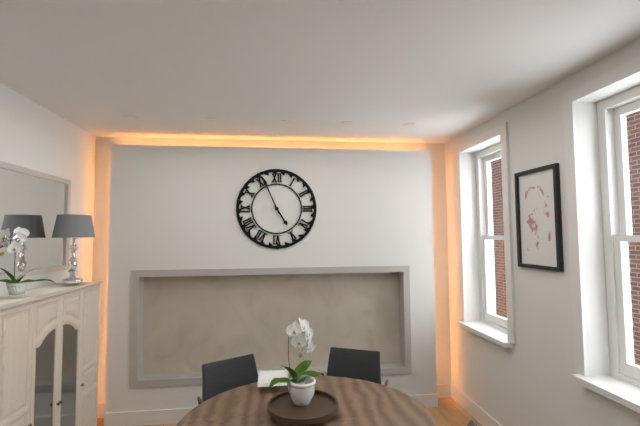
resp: 4h56
